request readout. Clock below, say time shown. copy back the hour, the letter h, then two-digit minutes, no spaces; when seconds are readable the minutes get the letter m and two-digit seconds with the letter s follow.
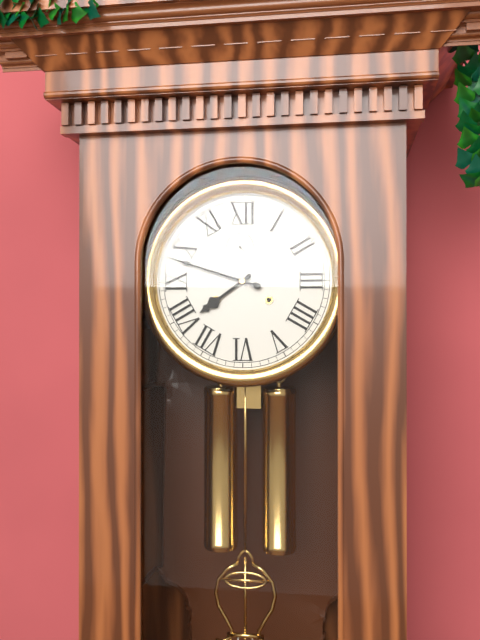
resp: 7h48
